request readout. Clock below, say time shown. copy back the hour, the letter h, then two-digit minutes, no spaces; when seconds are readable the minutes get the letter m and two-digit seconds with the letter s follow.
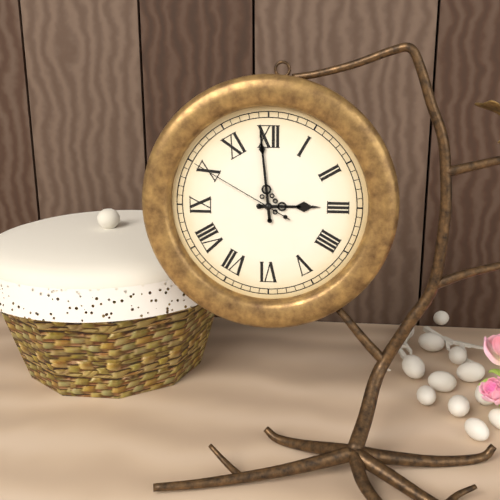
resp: 2h59m50s
